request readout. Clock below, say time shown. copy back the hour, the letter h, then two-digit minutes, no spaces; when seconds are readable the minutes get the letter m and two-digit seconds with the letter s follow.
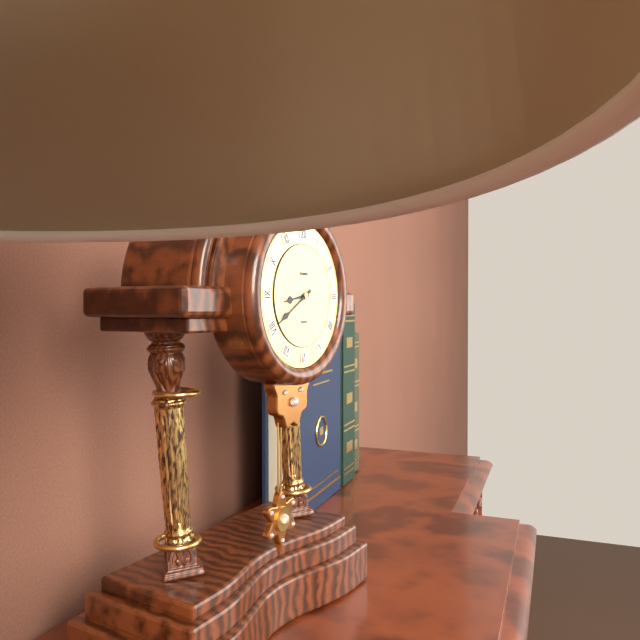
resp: 8h40
